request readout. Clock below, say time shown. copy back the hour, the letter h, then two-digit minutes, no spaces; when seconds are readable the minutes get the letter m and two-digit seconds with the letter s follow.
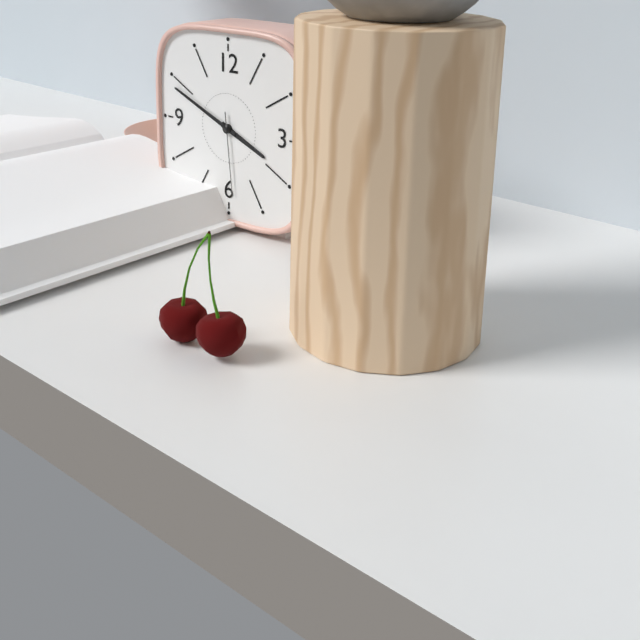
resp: 3h49m29s
